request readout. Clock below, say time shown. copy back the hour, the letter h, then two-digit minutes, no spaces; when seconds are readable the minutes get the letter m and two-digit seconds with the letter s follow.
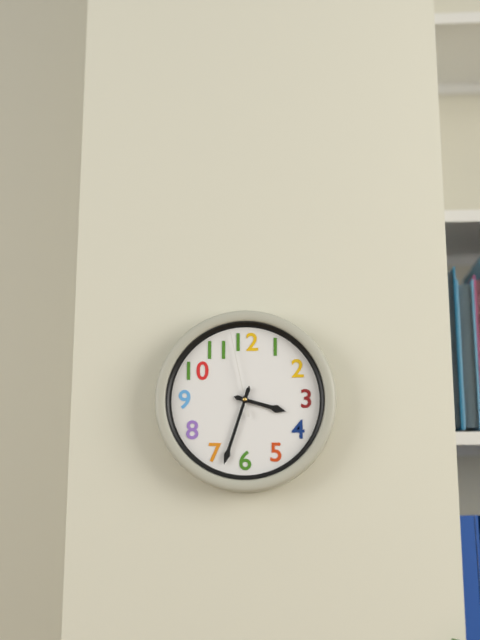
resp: 3h33m58s
